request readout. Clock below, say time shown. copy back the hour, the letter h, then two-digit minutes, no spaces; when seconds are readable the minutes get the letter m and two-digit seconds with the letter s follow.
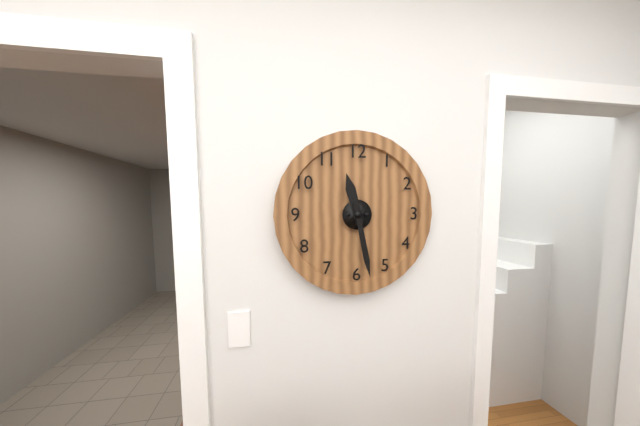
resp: 11h28
